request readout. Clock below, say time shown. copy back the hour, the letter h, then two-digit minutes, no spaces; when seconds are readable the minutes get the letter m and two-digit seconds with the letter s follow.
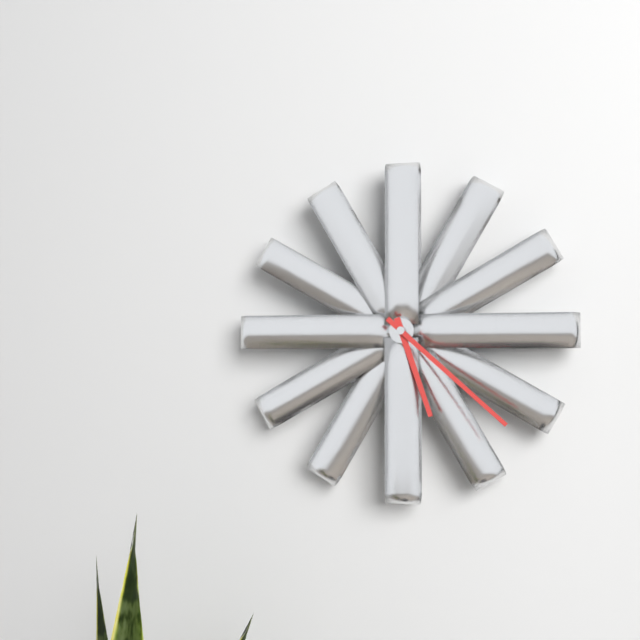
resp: 5h22
